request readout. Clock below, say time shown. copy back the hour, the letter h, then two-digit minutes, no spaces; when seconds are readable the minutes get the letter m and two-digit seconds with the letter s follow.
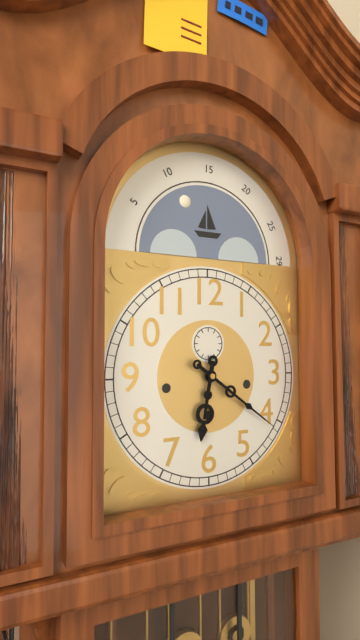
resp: 6h21
